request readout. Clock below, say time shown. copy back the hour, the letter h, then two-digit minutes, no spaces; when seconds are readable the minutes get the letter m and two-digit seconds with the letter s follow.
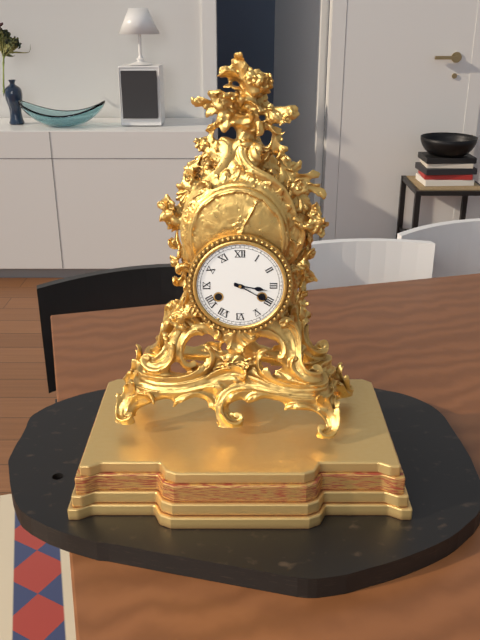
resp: 3h20
